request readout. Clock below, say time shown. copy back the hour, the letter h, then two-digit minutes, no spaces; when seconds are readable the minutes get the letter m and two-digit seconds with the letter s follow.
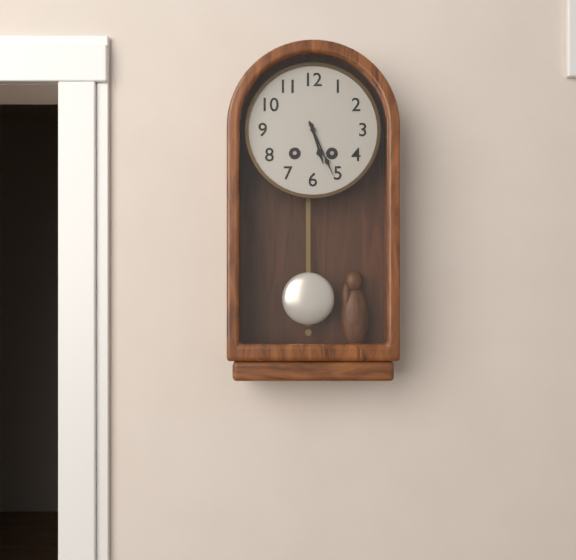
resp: 5h26
